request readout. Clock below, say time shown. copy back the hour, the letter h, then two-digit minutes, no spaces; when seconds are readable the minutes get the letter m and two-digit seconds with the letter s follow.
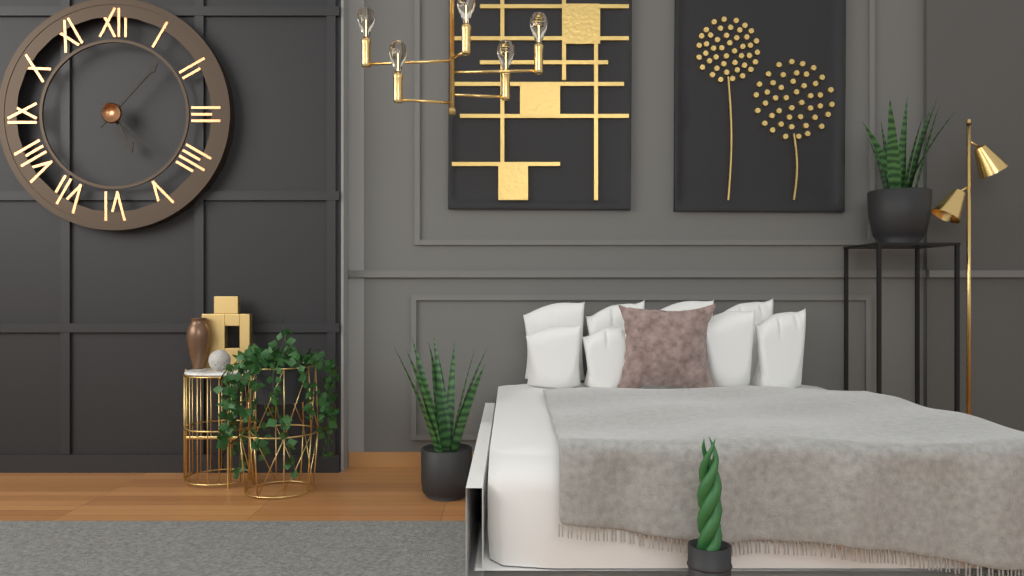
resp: 5h07m22s
